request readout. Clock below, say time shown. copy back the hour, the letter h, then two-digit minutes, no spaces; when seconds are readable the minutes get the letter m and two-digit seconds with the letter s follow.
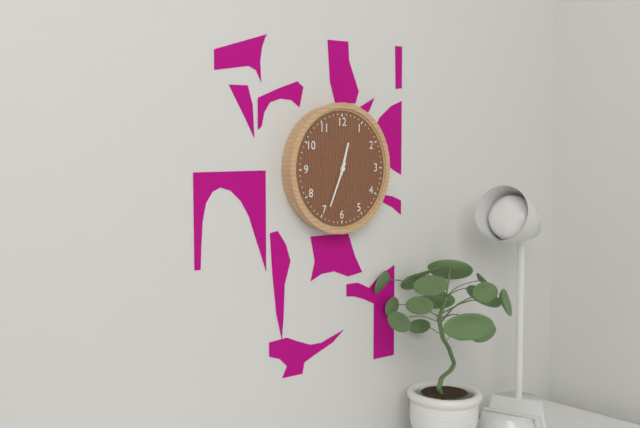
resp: 12h34
